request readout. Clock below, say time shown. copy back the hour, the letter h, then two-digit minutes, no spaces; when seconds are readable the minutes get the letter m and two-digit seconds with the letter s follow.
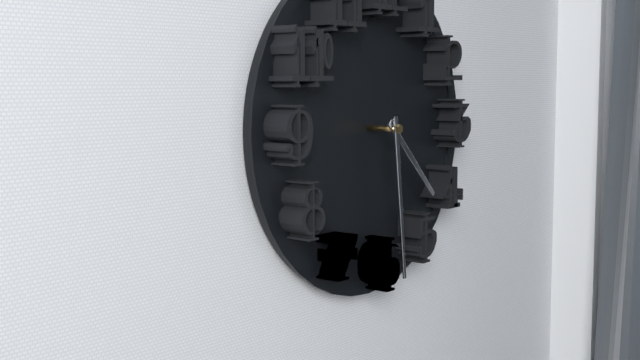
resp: 4h29
